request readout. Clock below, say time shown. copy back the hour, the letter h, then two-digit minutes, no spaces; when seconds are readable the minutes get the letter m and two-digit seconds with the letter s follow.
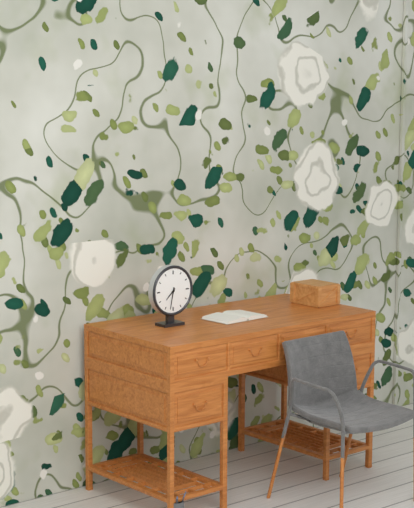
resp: 7h32
